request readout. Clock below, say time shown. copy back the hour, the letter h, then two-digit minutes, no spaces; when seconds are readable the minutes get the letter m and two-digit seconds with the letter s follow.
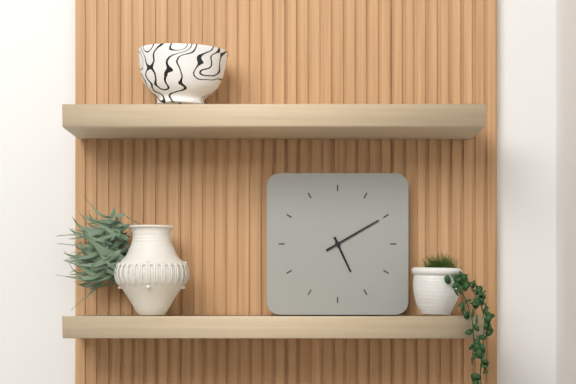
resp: 5h10
